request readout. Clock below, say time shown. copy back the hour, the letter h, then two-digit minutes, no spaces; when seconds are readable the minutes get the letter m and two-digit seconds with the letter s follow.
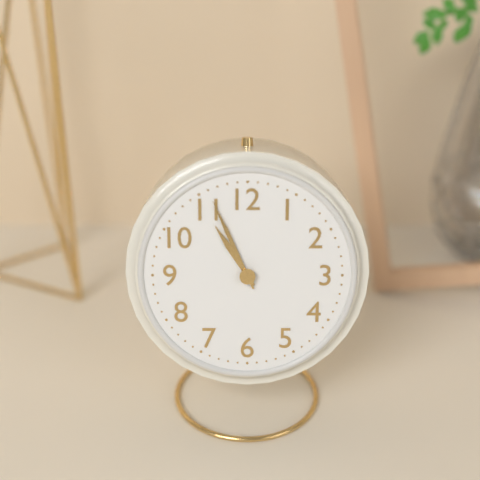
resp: 10h56
